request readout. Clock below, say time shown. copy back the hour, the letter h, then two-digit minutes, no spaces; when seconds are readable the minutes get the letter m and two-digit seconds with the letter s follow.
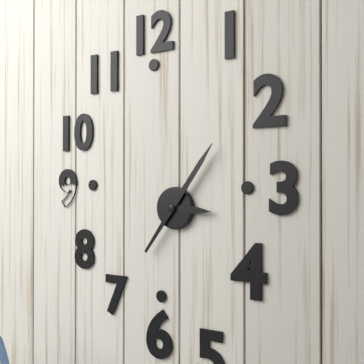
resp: 3h06
